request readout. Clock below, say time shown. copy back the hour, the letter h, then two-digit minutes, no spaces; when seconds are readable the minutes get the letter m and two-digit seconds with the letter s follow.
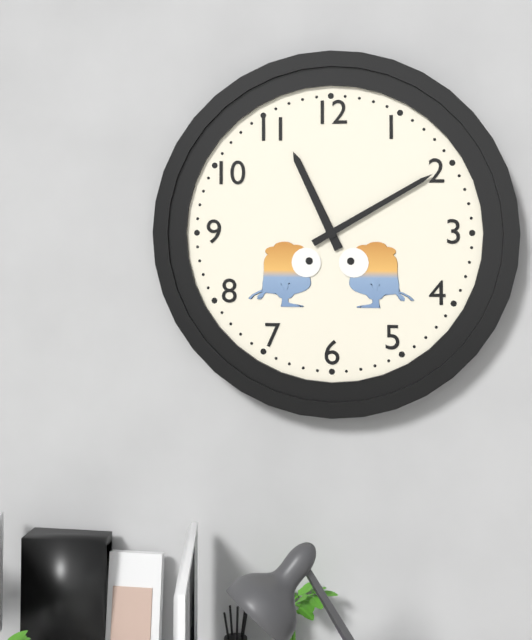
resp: 11h10
